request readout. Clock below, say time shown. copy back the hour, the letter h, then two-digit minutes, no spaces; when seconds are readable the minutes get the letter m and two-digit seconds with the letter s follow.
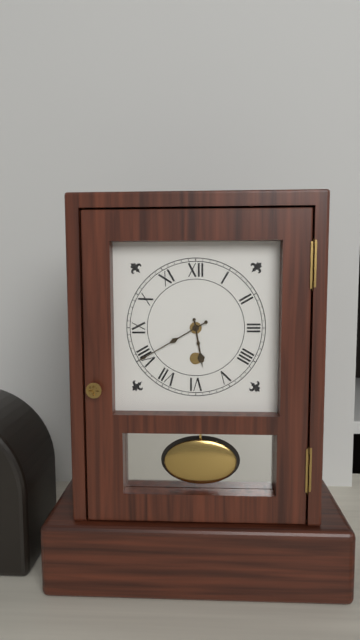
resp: 5h40
